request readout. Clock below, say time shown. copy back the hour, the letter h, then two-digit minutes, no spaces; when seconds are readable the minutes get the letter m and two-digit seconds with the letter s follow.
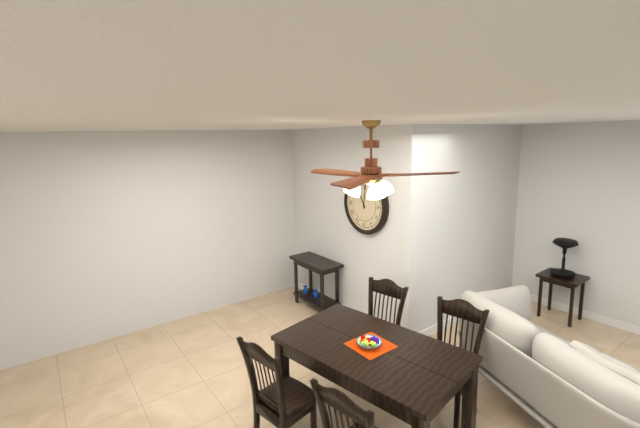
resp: 11h01
